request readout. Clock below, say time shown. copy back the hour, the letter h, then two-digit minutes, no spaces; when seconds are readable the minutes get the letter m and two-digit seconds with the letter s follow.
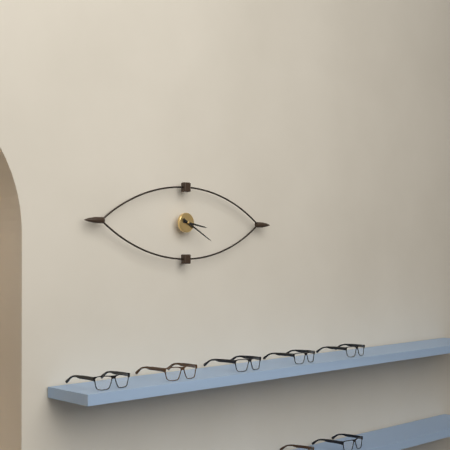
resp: 3h20
